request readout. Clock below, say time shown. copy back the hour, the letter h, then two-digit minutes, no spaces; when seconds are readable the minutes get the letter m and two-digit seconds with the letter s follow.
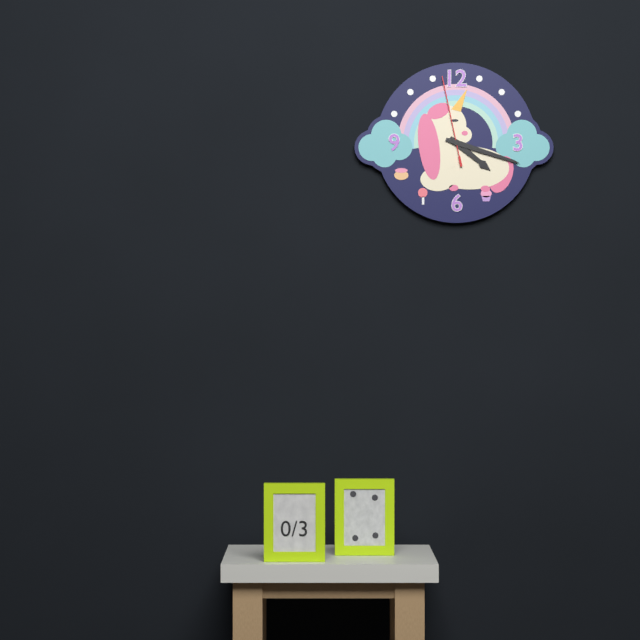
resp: 4h18m58s
